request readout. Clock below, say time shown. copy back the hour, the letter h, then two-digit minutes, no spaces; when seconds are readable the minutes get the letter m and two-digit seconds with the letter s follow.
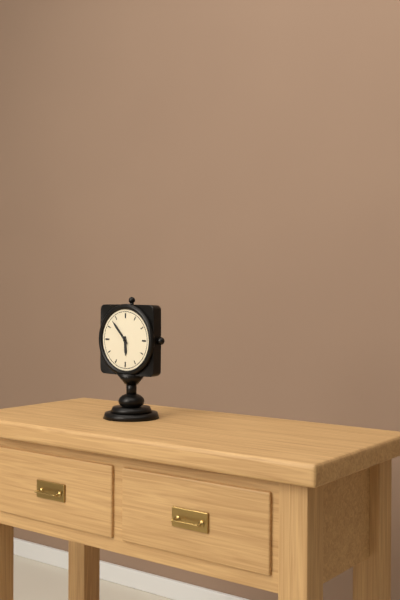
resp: 5h53
